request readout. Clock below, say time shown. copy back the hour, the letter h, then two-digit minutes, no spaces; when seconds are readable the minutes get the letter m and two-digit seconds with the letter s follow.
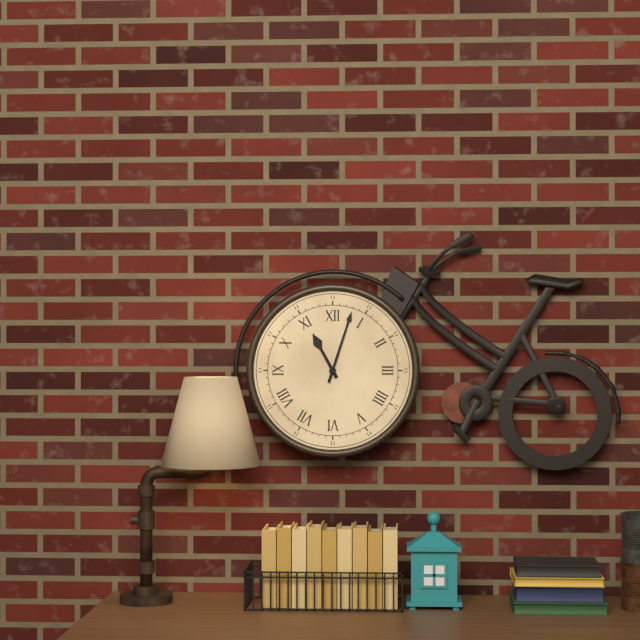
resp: 11h03
